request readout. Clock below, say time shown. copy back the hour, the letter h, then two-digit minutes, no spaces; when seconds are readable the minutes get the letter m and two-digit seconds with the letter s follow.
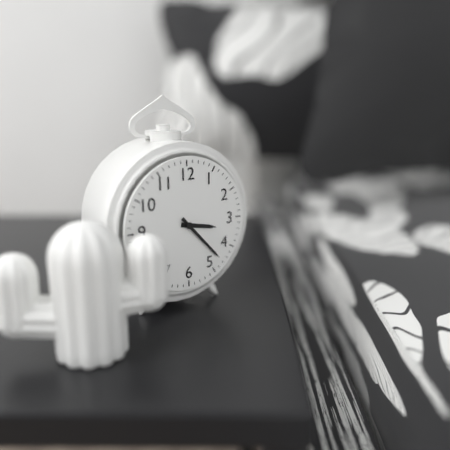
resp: 3h23
